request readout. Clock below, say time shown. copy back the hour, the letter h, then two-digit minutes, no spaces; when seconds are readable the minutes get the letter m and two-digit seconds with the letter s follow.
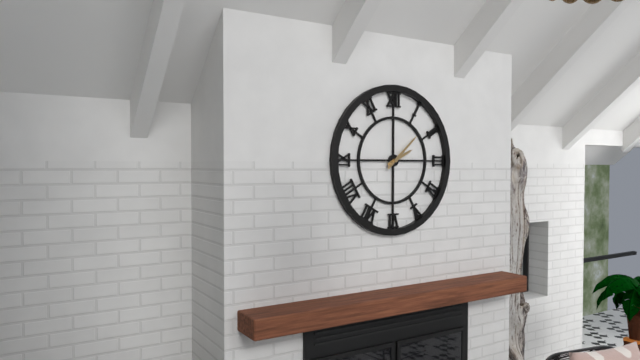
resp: 2h08
